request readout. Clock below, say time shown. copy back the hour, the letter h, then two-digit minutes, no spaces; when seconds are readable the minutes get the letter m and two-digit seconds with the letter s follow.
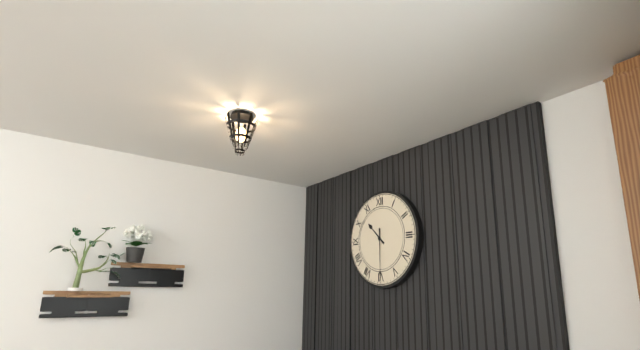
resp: 10h30
